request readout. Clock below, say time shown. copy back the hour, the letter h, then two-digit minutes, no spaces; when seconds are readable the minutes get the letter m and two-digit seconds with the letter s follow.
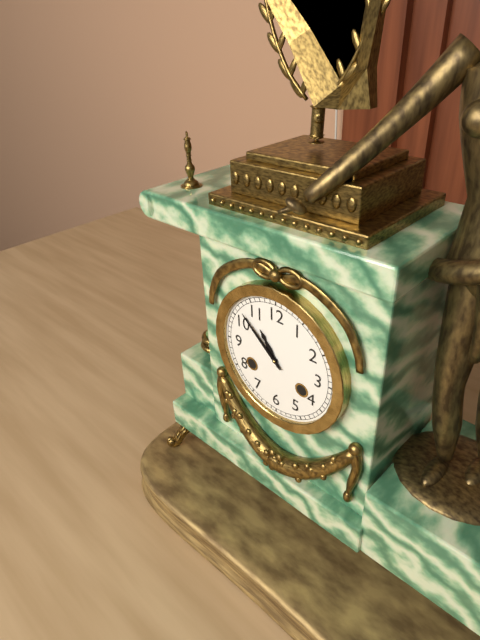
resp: 10h52
